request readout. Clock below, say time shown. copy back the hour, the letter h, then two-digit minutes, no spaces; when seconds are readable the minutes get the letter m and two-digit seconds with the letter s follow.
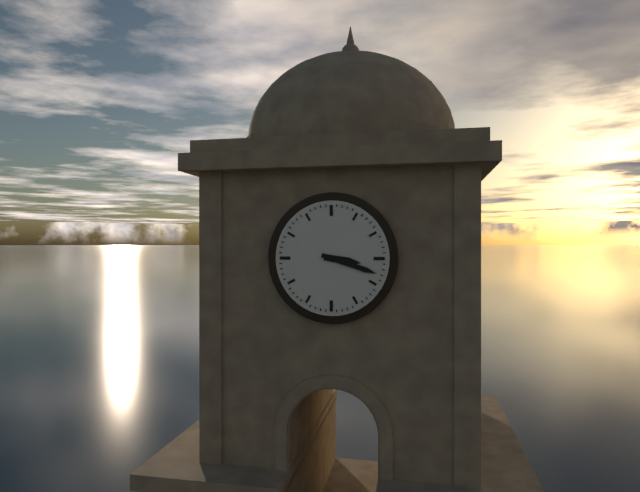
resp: 3h18
